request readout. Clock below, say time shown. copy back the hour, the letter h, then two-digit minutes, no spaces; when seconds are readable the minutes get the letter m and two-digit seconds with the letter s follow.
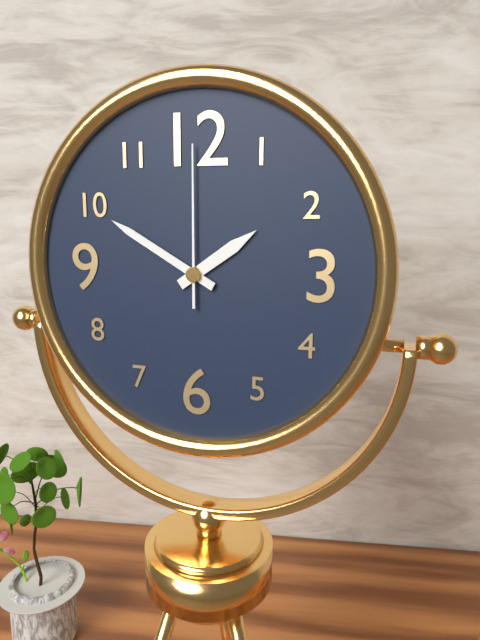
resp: 1h50m00s
